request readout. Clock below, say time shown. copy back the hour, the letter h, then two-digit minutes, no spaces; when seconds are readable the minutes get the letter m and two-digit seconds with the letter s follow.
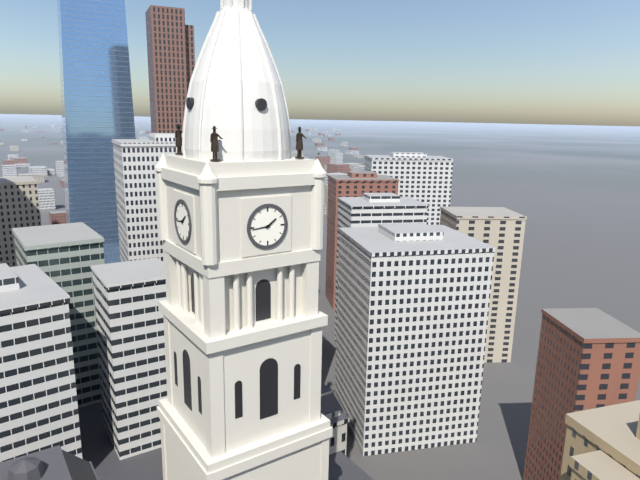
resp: 1h44
